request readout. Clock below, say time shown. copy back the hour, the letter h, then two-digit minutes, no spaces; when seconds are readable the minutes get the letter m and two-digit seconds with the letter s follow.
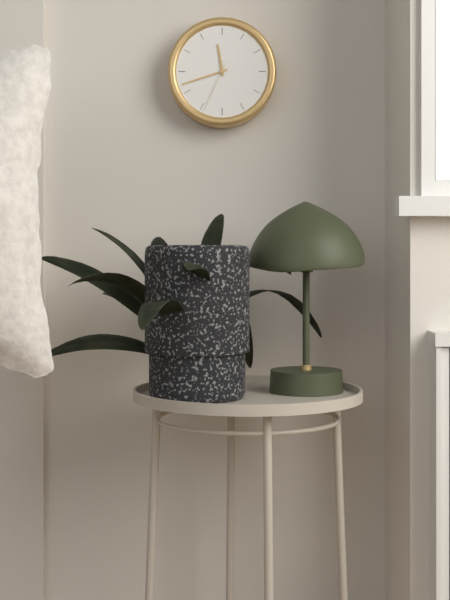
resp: 11h42m34s
